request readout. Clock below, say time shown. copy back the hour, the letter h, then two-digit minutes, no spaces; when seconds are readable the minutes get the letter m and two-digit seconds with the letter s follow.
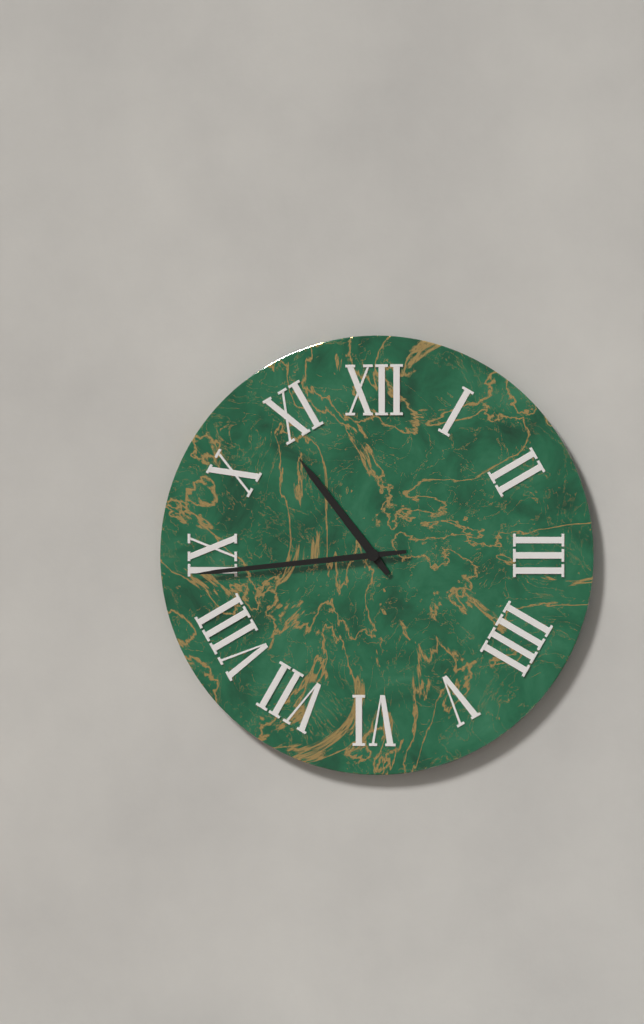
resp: 10h44
